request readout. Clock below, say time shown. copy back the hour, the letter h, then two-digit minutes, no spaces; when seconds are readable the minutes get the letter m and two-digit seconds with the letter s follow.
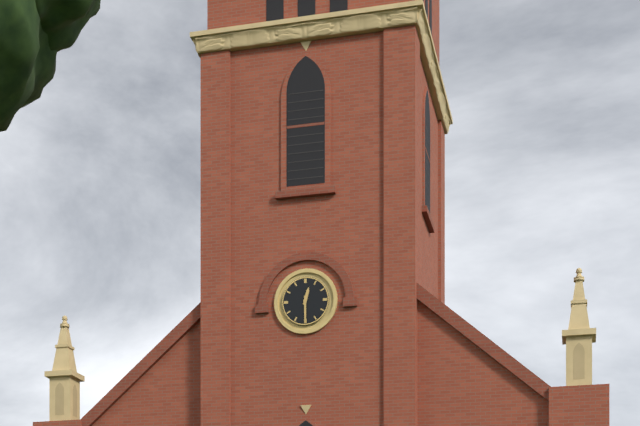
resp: 12h30
